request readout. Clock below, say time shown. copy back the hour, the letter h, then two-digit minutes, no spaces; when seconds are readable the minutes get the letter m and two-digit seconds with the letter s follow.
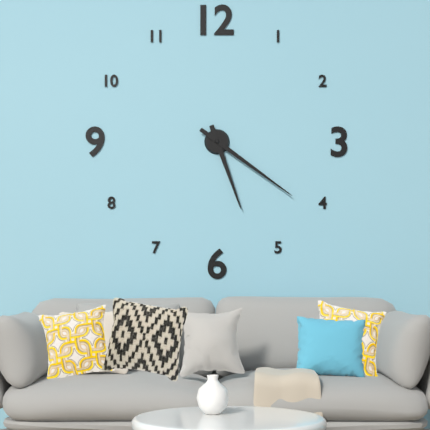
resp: 5h21
